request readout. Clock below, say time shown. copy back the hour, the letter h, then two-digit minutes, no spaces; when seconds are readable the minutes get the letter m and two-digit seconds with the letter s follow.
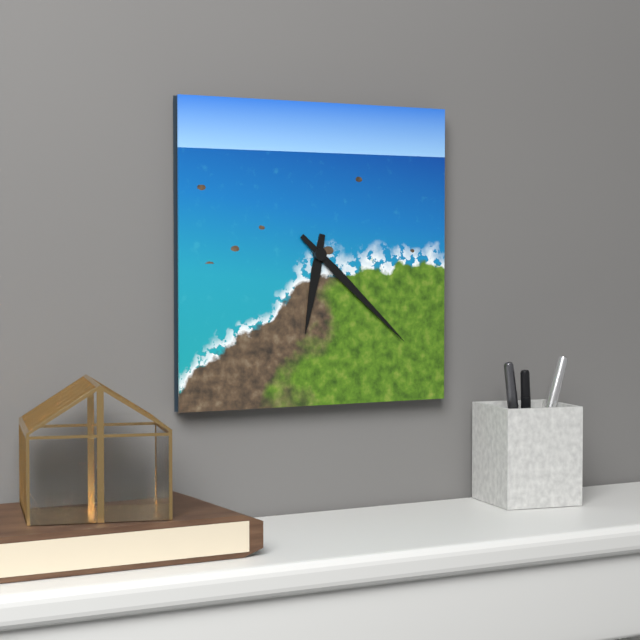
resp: 6h22
